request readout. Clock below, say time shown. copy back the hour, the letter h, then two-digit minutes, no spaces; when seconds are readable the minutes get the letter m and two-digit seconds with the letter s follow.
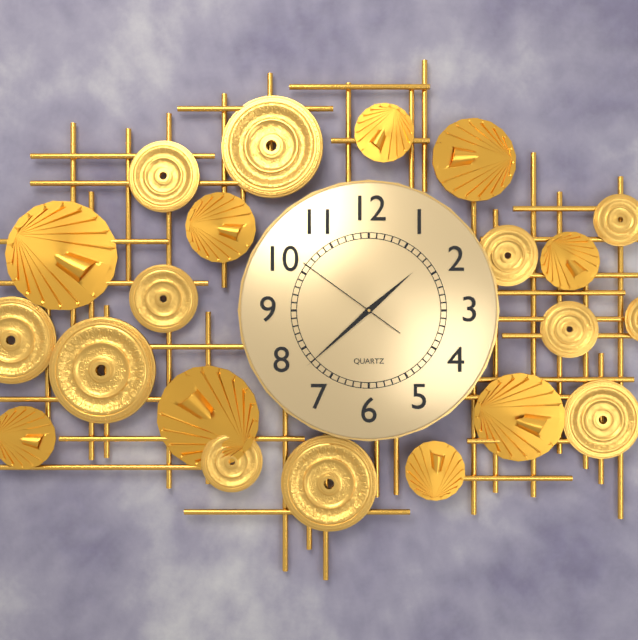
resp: 1h38m51s
